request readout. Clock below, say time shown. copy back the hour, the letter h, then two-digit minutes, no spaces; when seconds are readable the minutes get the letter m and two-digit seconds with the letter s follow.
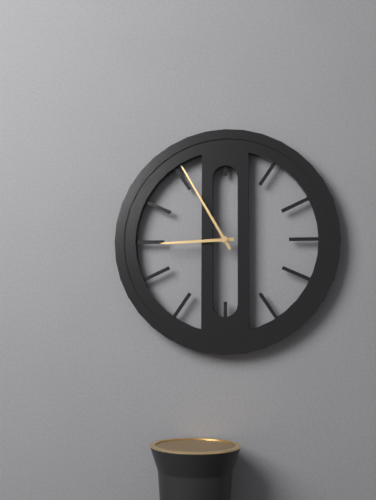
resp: 8h55
